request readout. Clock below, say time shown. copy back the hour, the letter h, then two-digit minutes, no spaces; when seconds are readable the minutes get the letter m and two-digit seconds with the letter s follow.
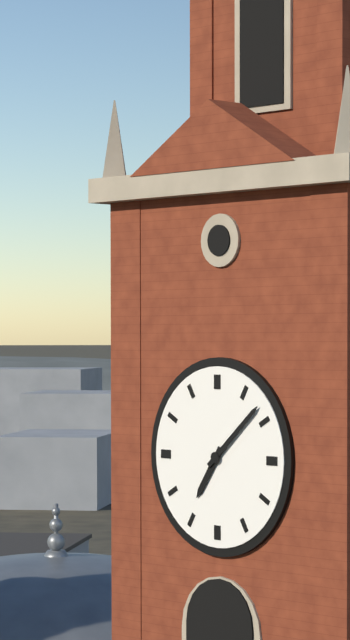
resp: 7h08
